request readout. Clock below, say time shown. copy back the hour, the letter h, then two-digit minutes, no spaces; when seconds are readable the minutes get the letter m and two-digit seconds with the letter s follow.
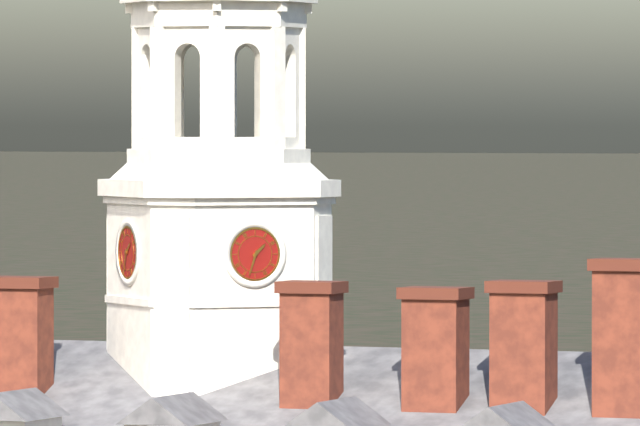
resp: 1h33
